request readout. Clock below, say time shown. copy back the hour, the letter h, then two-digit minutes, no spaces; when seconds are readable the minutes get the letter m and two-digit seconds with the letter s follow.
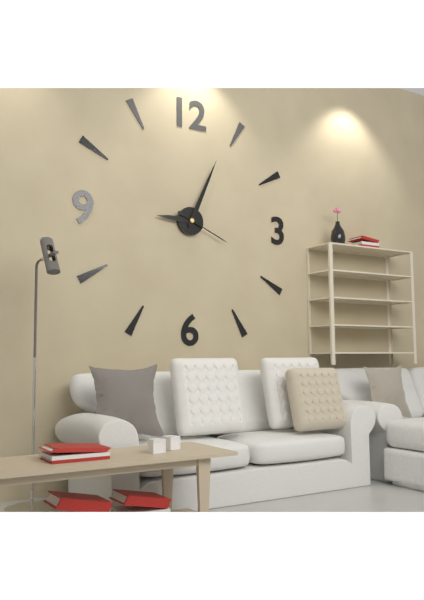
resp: 9h04m19s
